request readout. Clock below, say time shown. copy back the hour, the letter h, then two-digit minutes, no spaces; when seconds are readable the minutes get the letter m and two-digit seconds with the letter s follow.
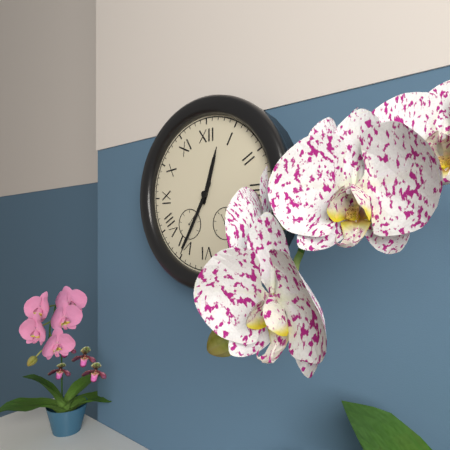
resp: 12h35
